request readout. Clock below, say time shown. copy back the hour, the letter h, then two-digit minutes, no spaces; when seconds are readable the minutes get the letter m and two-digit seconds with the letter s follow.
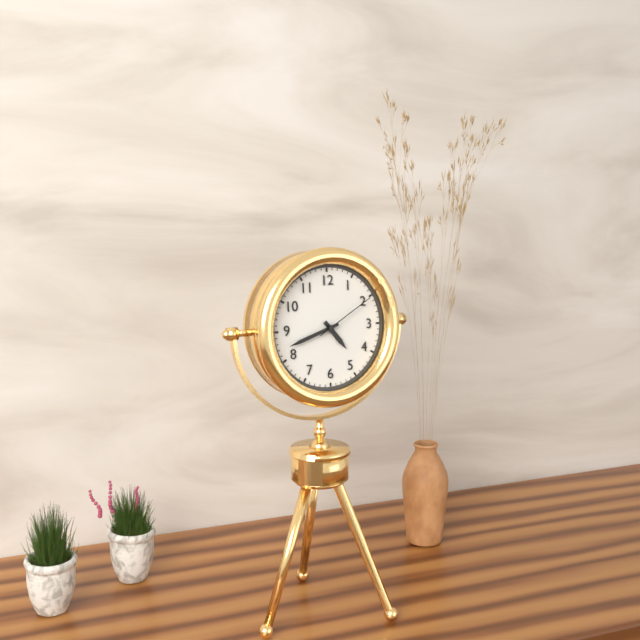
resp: 4h42m10s
